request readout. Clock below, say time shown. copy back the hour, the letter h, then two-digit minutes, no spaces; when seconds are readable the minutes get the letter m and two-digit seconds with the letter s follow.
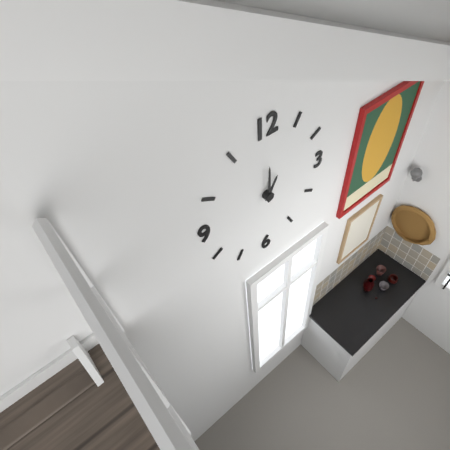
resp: 1h00
